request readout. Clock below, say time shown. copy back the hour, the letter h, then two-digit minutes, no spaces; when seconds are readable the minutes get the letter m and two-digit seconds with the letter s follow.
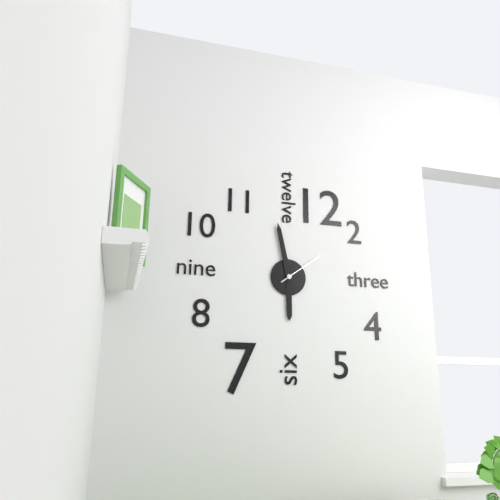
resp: 5h58
